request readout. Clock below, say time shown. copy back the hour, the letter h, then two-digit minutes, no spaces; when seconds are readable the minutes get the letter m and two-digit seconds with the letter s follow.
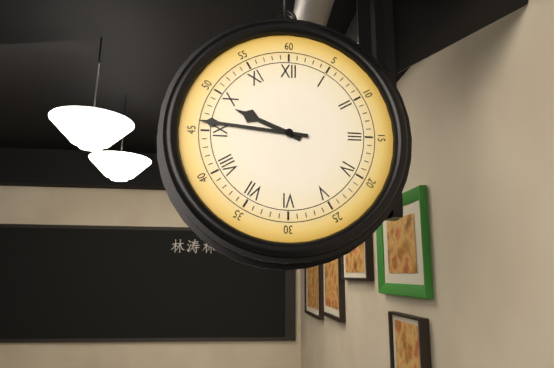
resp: 9h46
